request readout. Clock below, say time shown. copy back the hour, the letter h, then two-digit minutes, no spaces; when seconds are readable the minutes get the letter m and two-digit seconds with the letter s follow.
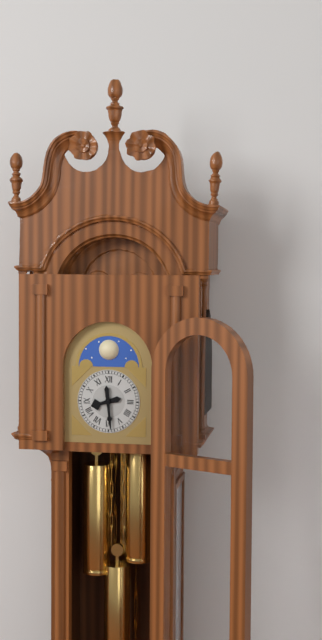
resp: 8h29
